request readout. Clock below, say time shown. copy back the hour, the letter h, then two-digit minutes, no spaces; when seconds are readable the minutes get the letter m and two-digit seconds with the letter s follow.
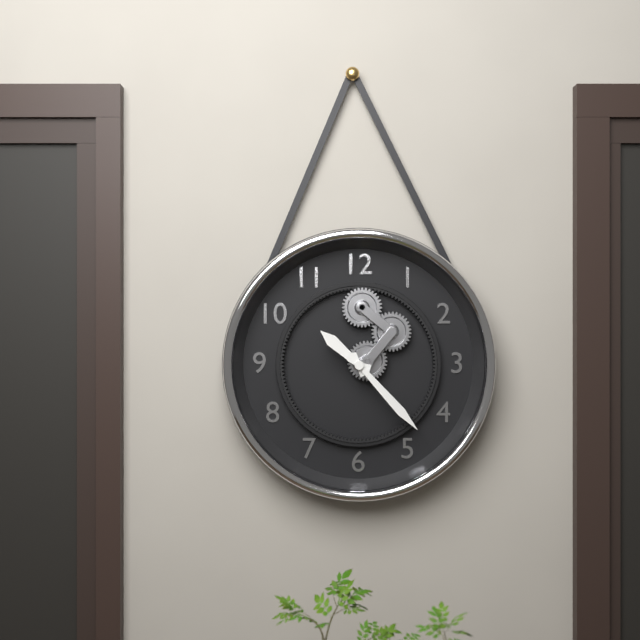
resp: 10h23
